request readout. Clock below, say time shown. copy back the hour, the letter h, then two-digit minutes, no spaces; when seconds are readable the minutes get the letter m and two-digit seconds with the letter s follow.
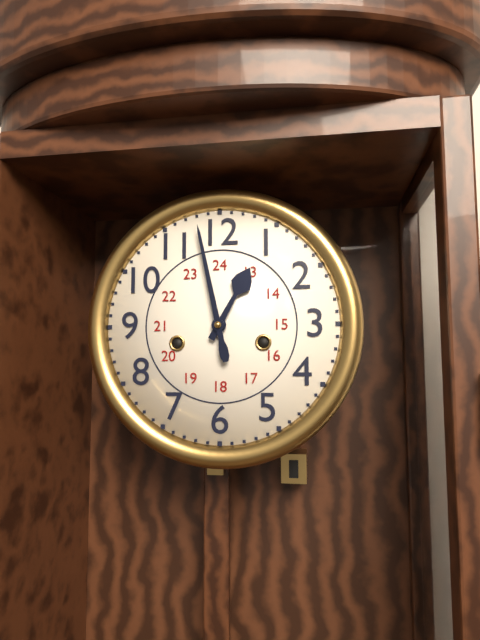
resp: 12h58
